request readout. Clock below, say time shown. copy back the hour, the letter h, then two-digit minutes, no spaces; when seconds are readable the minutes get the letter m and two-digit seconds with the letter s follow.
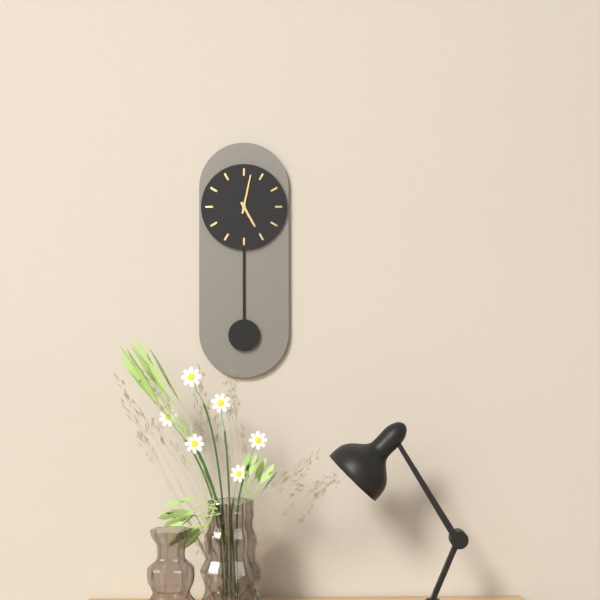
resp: 5h02
